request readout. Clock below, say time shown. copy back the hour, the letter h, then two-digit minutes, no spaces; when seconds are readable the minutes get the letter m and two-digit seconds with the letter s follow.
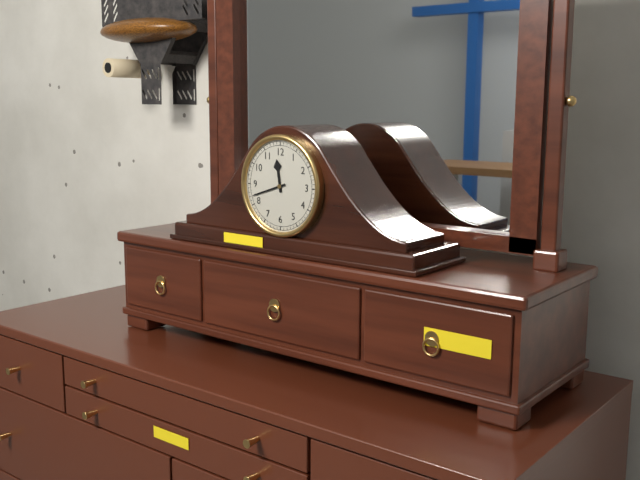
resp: 11h42
